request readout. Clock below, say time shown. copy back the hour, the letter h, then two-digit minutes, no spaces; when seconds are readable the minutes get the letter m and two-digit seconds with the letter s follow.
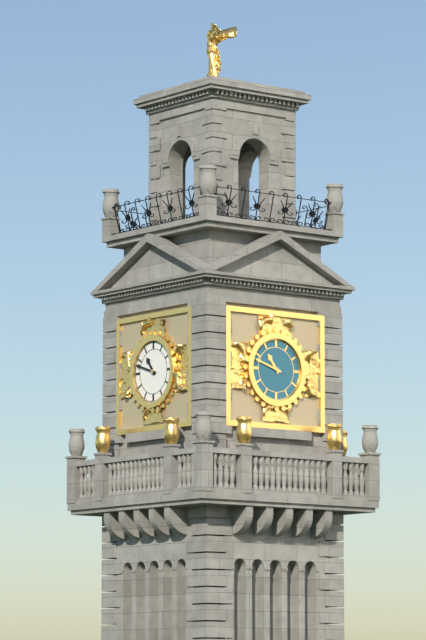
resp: 10h48
